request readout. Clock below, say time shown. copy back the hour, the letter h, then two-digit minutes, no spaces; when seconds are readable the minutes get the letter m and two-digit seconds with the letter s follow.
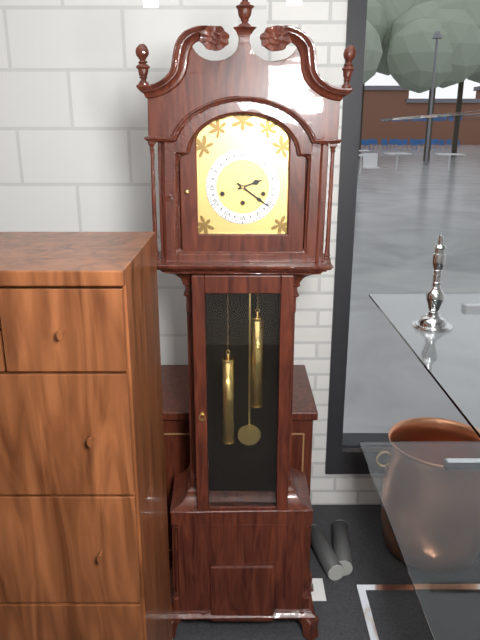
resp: 2h21
